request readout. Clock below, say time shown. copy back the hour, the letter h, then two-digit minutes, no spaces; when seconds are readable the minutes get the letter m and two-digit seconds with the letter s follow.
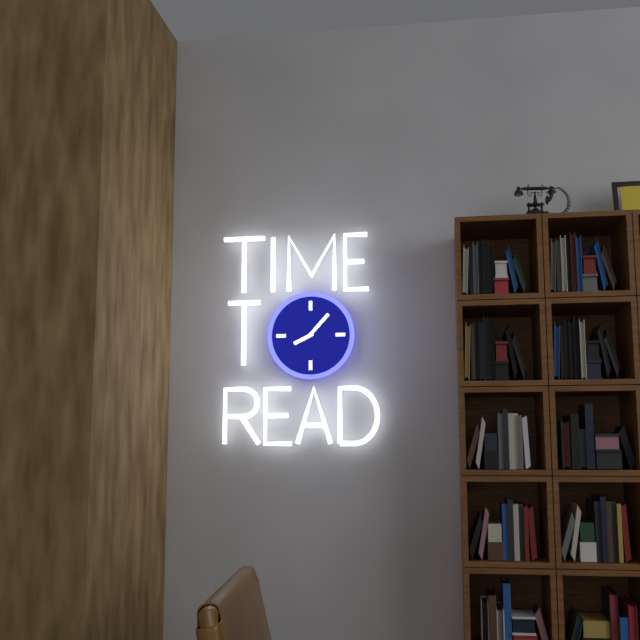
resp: 8h07
